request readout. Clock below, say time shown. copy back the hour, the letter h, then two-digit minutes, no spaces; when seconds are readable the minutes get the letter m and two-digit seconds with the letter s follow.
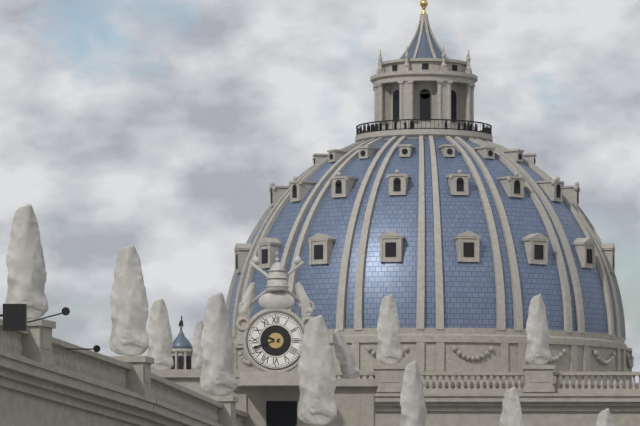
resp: 9h42
